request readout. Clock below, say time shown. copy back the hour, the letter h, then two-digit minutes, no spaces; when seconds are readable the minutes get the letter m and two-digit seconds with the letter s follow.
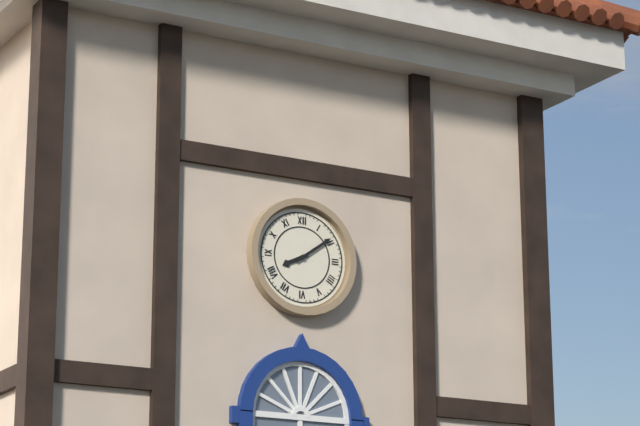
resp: 8h09
